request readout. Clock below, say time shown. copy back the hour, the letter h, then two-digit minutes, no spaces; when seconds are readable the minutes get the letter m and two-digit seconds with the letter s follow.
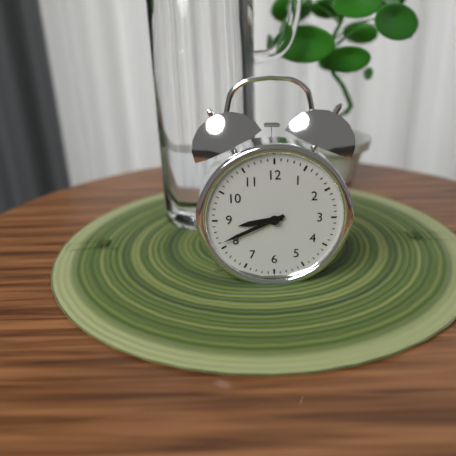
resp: 8h41
